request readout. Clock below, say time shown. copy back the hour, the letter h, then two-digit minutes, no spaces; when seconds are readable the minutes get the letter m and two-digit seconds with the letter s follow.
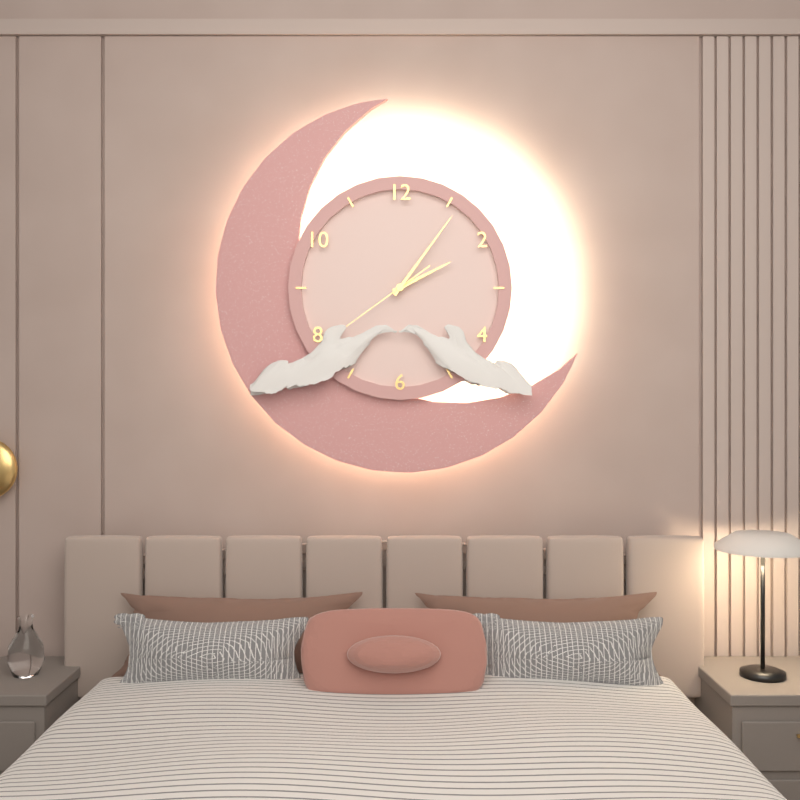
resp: 2h06
